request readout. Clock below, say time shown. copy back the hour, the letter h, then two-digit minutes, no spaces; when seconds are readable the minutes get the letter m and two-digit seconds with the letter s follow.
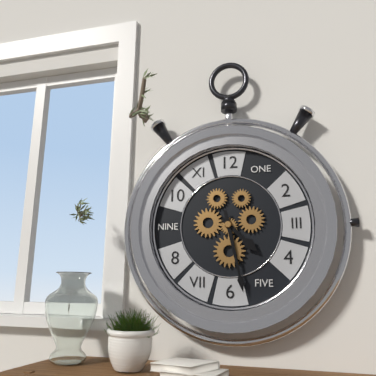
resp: 4h28
